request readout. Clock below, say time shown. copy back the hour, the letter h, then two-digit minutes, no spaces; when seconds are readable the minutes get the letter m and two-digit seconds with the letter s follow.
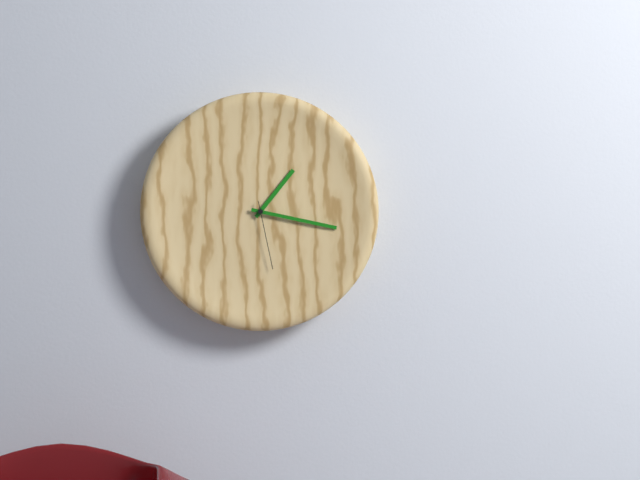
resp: 1h17m28s
